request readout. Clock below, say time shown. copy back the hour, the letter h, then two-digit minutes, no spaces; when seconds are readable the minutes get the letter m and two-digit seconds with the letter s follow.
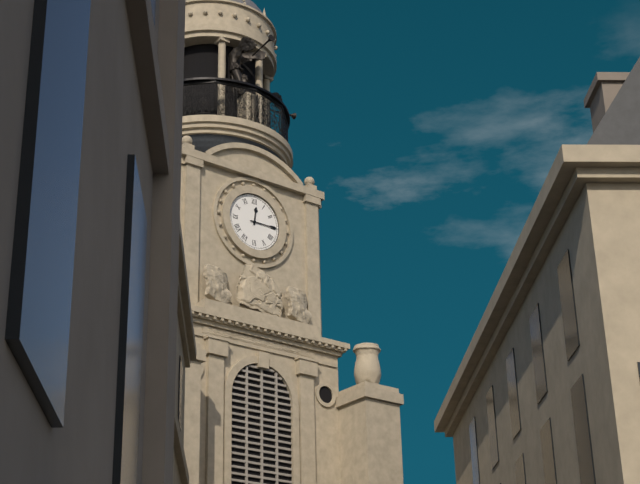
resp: 12h15
